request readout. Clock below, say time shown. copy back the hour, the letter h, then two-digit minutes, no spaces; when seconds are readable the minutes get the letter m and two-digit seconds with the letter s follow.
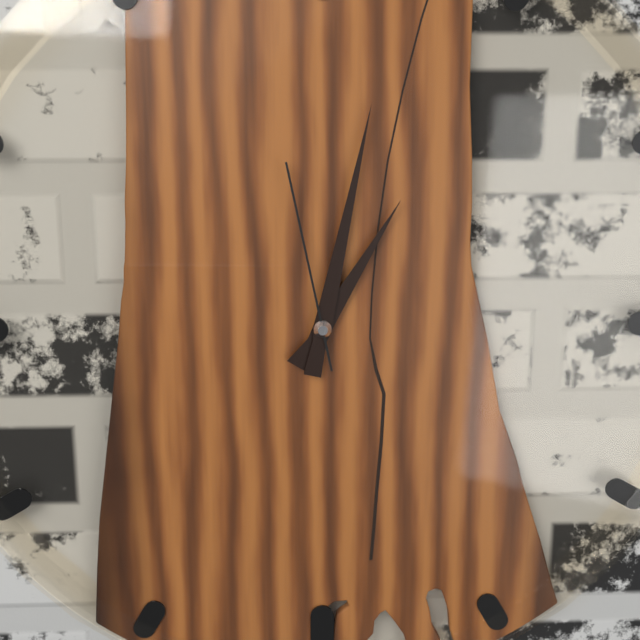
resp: 1h02m58s
